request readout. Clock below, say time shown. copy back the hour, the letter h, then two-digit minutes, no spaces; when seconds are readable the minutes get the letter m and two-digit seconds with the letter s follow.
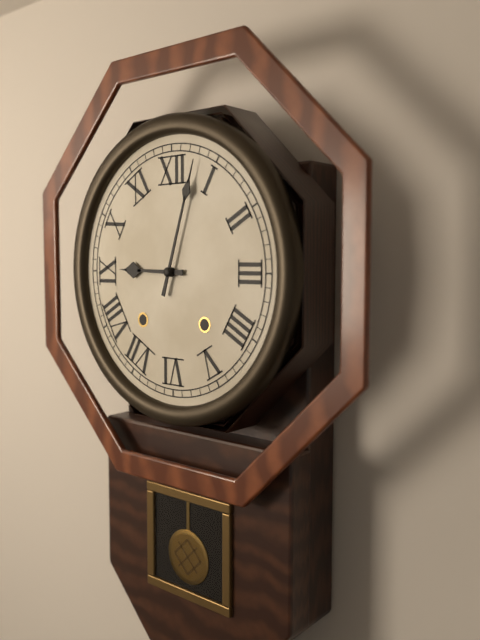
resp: 9h03
